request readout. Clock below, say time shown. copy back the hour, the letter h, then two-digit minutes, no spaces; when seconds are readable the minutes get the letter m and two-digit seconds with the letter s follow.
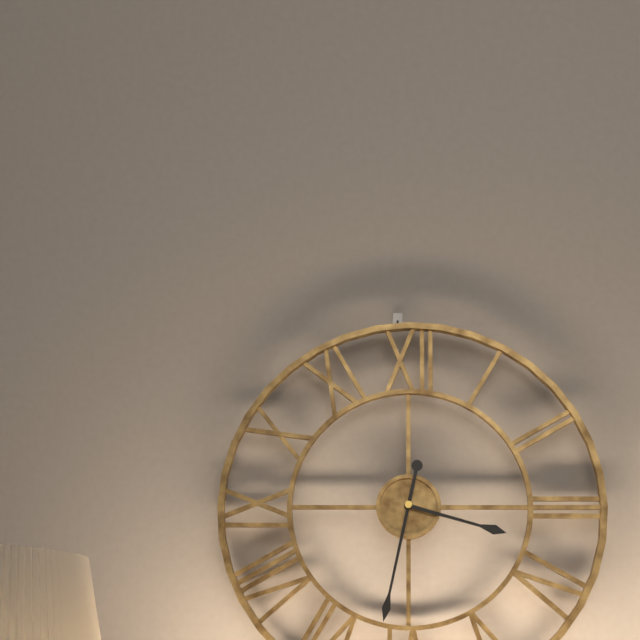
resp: 3h32
